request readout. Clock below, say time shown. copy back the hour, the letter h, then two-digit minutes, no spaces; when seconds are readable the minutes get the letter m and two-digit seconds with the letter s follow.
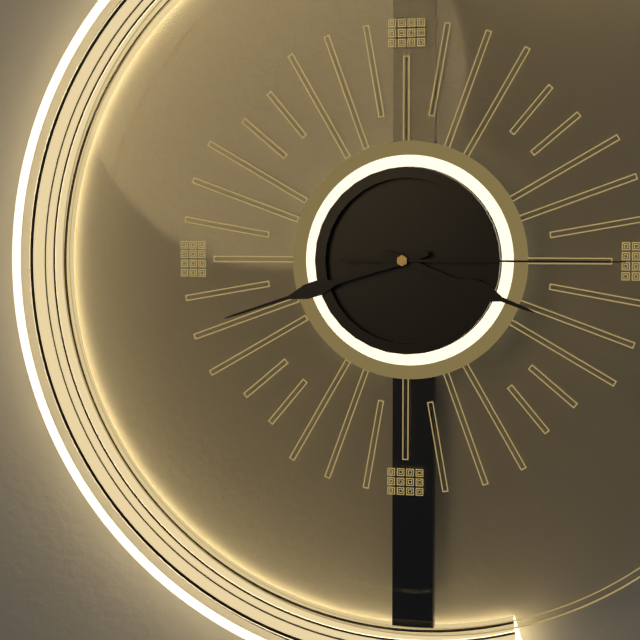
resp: 3h42m15s
